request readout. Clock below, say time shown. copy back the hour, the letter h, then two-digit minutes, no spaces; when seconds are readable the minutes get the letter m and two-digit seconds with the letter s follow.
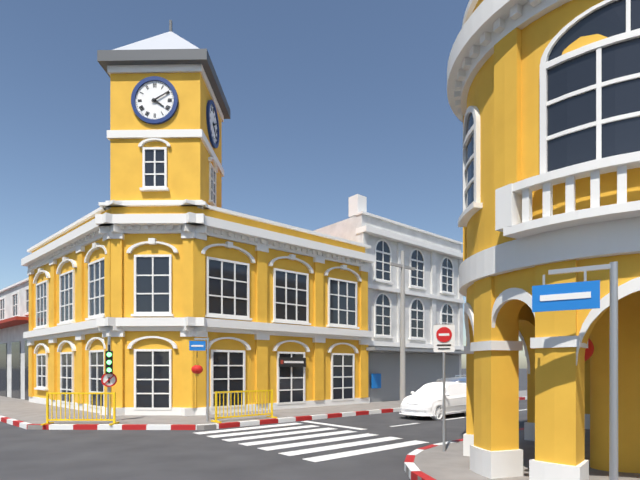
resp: 4h10
